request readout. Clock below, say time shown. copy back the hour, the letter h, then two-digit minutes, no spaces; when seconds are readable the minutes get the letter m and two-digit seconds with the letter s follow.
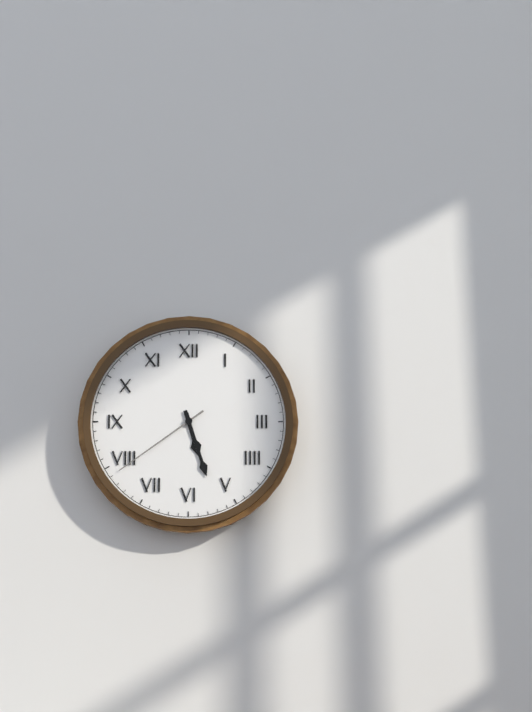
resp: 5h27m39s
